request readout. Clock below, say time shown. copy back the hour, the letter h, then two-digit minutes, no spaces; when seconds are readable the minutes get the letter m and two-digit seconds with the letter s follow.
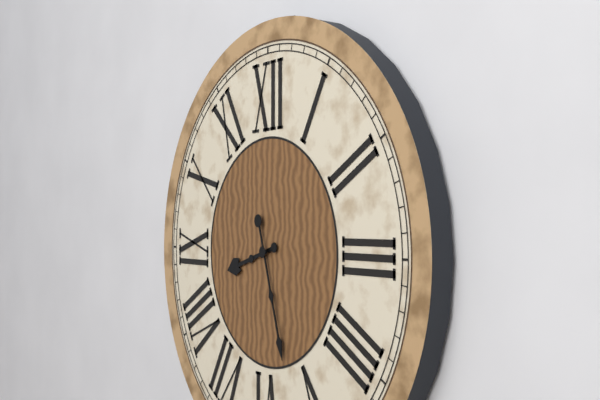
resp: 8h27
